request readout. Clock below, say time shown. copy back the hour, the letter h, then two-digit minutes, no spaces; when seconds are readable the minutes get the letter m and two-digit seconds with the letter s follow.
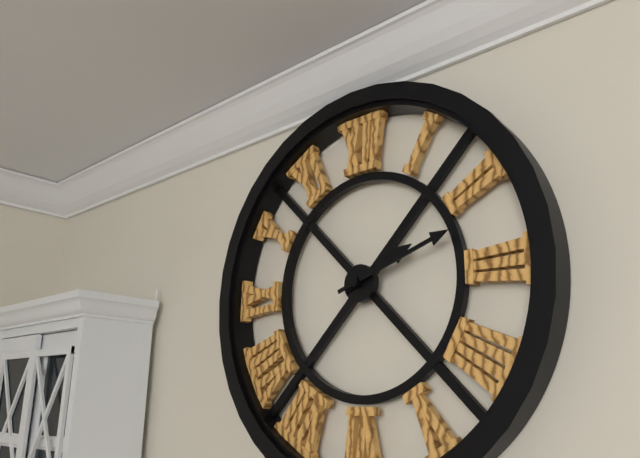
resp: 2h12
